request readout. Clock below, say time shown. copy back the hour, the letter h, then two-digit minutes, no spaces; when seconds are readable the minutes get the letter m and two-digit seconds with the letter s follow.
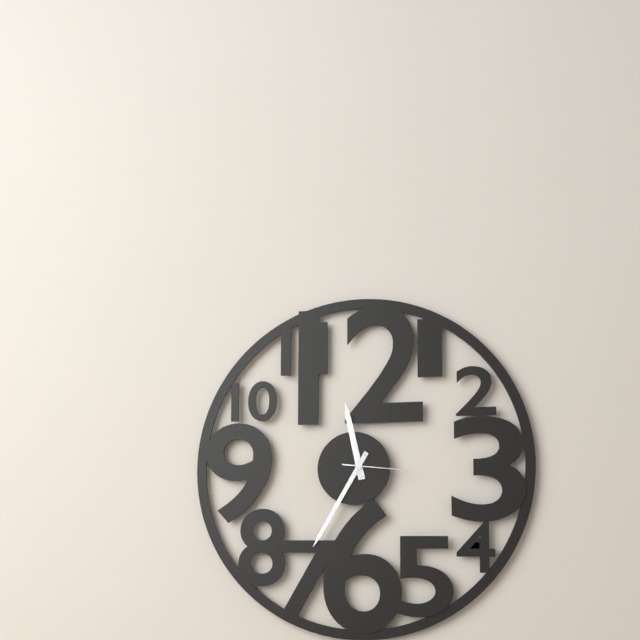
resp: 11h35m16s
